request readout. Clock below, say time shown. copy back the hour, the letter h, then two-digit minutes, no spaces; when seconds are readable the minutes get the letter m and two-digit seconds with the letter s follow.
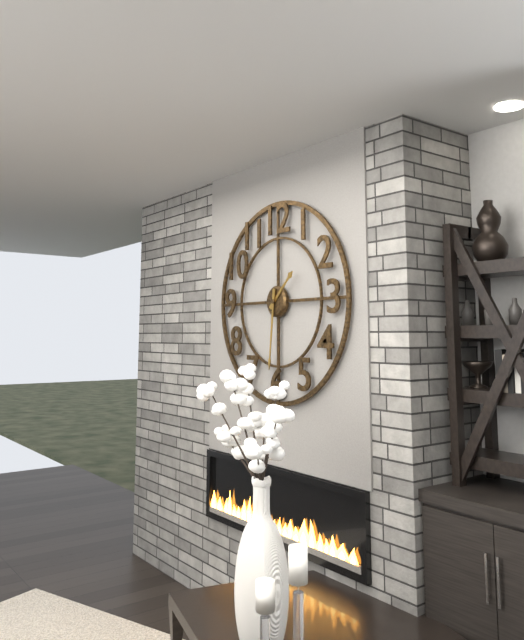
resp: 1h31
